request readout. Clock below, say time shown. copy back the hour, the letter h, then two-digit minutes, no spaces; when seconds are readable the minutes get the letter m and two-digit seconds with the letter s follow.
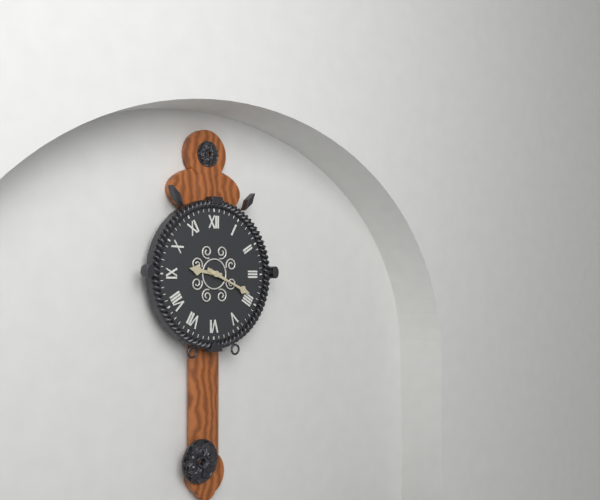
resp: 9h19
